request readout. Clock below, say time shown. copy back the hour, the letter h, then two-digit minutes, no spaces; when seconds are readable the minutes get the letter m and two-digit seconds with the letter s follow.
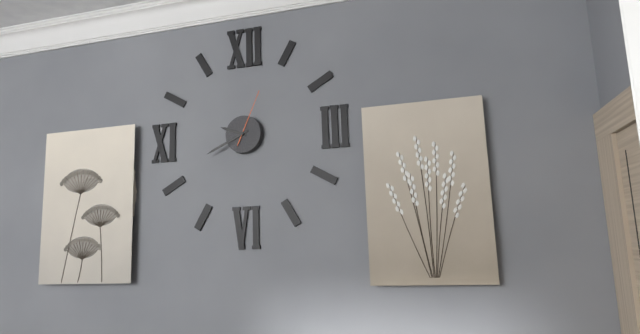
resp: 9h41m04s
